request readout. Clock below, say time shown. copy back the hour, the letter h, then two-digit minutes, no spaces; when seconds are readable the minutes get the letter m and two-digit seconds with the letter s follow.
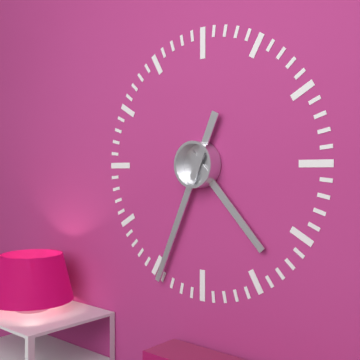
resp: 4h34
